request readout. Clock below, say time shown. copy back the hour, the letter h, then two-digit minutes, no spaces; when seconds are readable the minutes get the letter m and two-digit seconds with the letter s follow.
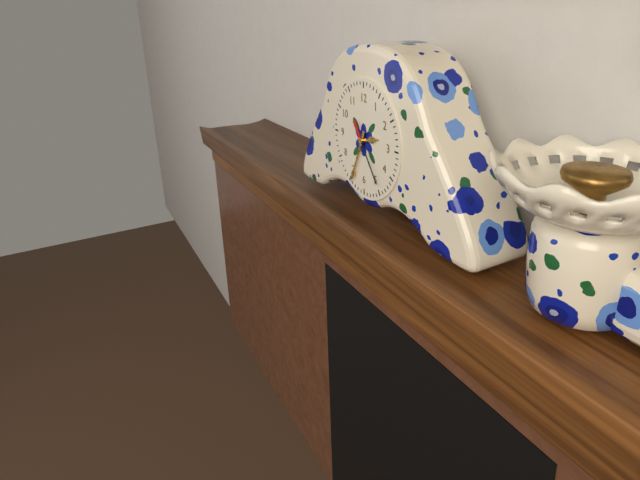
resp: 2h34m24s
